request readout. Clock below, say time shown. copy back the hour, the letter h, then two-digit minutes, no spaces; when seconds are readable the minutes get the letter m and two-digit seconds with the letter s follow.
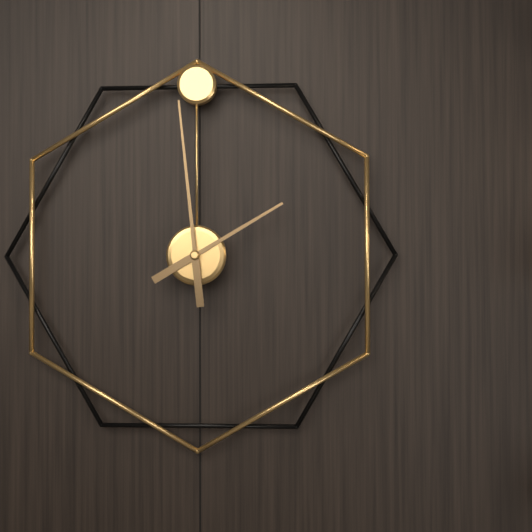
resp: 1h59
